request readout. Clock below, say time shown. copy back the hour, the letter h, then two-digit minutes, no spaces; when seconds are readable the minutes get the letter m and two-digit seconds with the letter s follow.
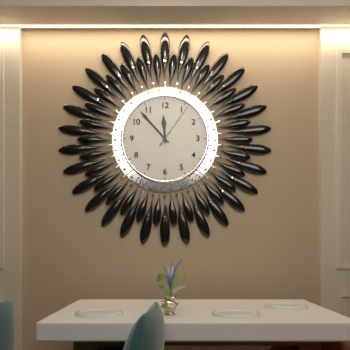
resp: 11h53
